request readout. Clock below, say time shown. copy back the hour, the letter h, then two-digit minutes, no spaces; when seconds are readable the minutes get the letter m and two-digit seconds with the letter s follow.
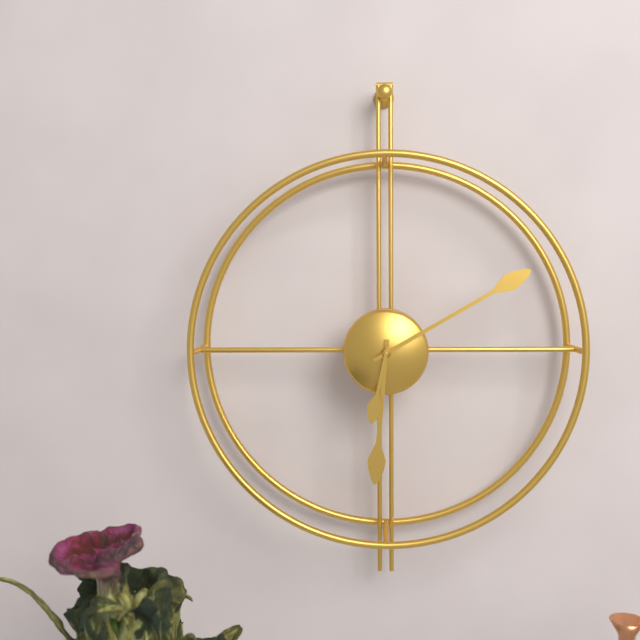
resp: 6h10m32s
